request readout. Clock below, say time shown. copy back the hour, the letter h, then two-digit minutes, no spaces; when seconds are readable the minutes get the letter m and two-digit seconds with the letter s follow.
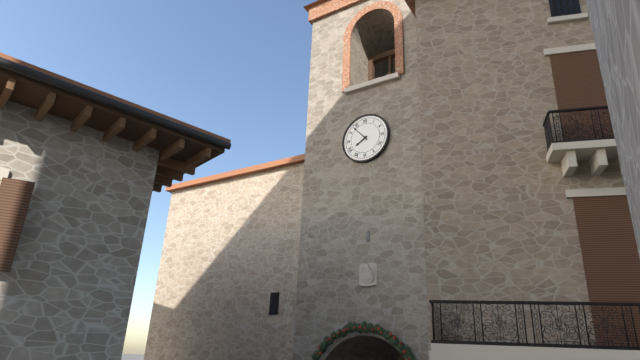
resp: 7h53
